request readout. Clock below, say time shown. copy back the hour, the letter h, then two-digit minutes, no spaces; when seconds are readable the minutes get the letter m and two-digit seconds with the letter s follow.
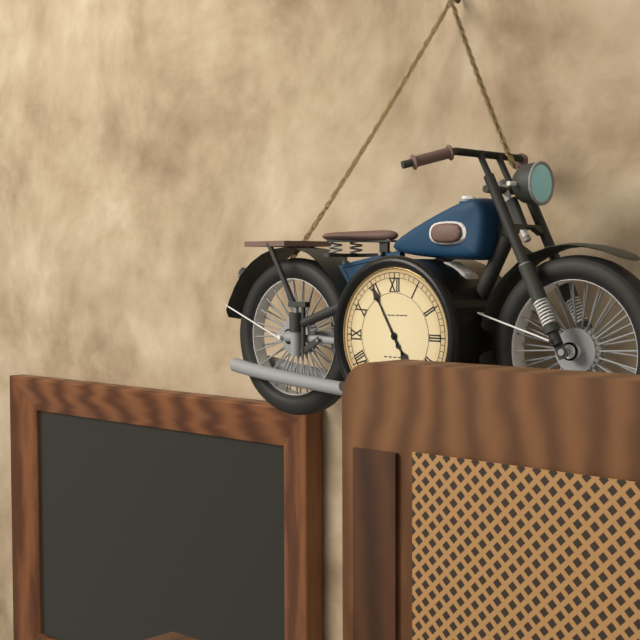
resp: 4h55
